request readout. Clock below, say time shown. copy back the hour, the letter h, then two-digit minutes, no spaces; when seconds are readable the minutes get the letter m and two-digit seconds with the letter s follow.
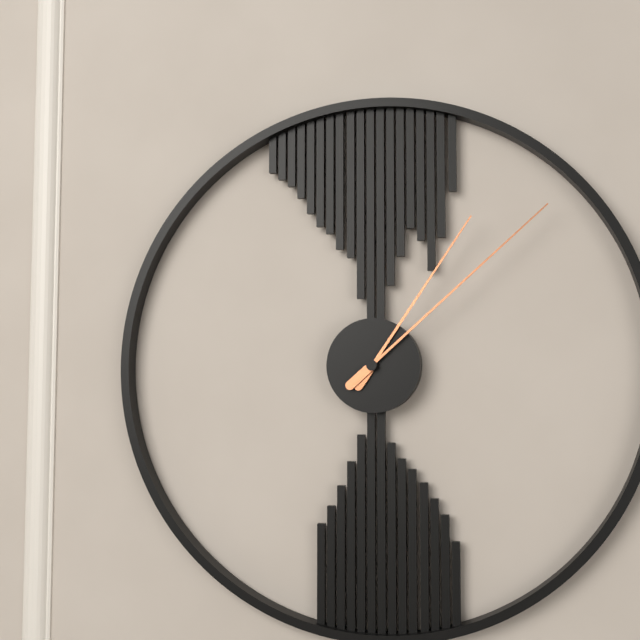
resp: 1h08
